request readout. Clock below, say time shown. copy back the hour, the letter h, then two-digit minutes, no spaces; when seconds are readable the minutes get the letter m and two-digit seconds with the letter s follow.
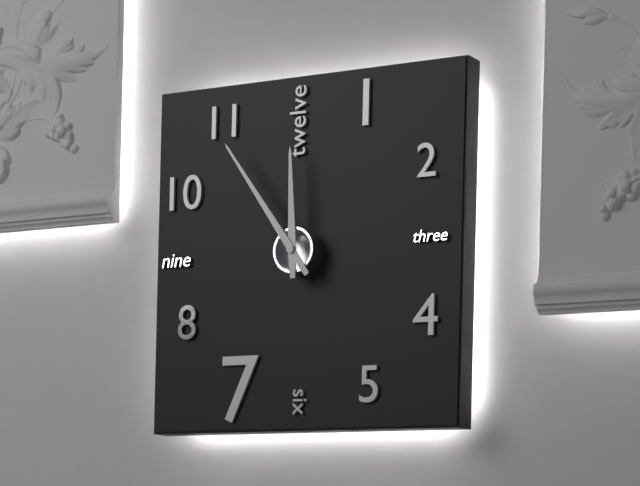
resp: 11h54
